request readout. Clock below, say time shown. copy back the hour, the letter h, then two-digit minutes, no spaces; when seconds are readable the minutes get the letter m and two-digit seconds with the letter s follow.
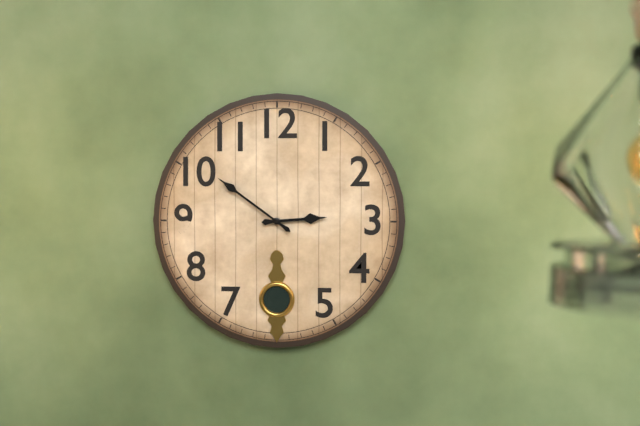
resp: 2h51
